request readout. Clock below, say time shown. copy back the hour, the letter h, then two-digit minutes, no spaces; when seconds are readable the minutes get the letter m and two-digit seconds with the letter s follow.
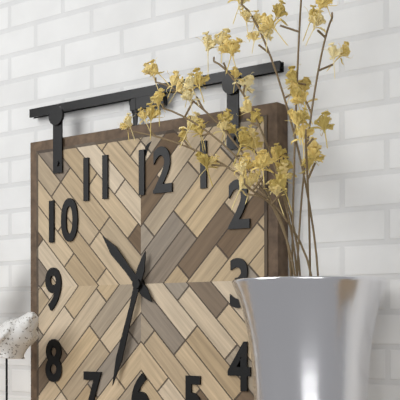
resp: 10h33
